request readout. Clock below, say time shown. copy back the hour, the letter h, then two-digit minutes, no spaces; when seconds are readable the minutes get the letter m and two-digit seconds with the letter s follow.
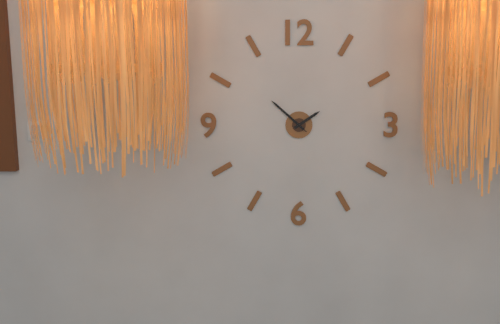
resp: 1h52
